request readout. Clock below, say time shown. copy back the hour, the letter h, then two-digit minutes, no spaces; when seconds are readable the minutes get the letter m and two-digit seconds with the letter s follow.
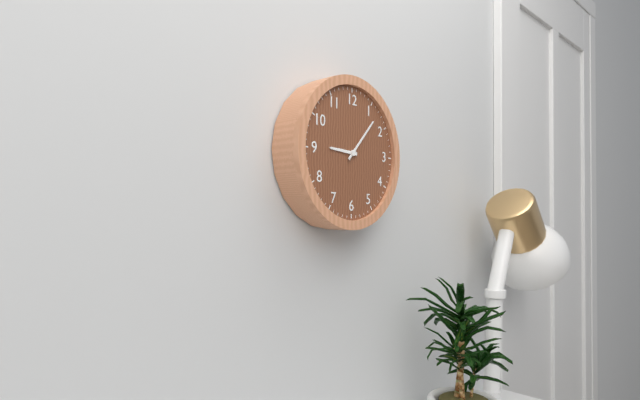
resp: 9h07
